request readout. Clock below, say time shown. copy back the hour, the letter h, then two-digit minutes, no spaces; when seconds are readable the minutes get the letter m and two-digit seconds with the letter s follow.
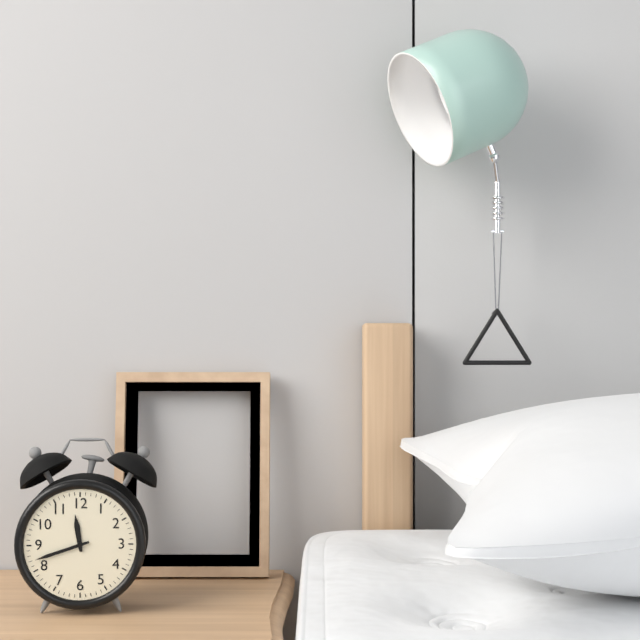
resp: 11h42
